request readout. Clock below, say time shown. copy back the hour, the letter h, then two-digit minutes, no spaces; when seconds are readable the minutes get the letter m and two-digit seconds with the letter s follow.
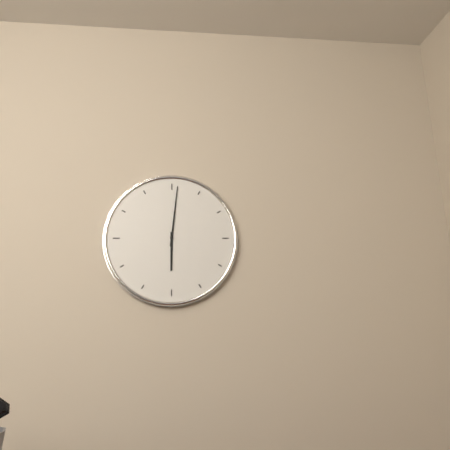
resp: 6h01
